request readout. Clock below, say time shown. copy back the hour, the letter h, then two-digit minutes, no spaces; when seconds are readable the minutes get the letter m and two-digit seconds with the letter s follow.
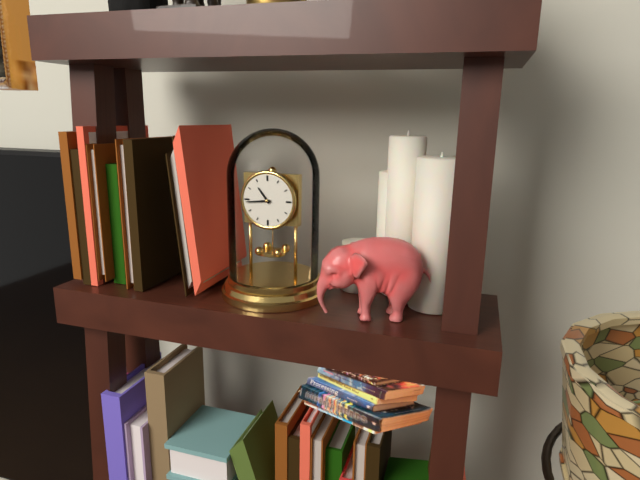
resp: 10h44
